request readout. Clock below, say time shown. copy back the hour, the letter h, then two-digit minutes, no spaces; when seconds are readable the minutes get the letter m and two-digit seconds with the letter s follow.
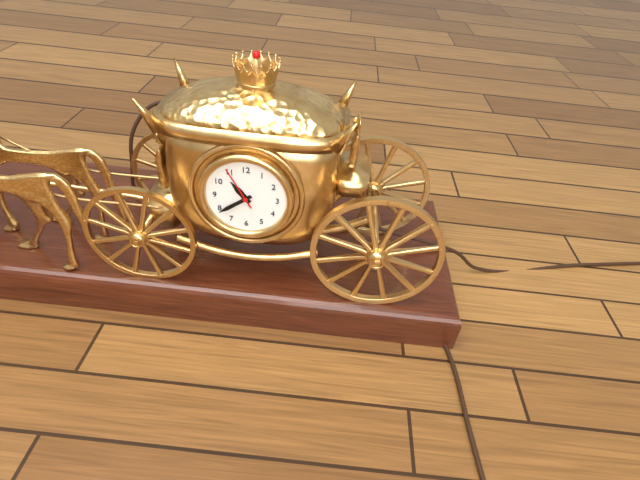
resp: 10h39
